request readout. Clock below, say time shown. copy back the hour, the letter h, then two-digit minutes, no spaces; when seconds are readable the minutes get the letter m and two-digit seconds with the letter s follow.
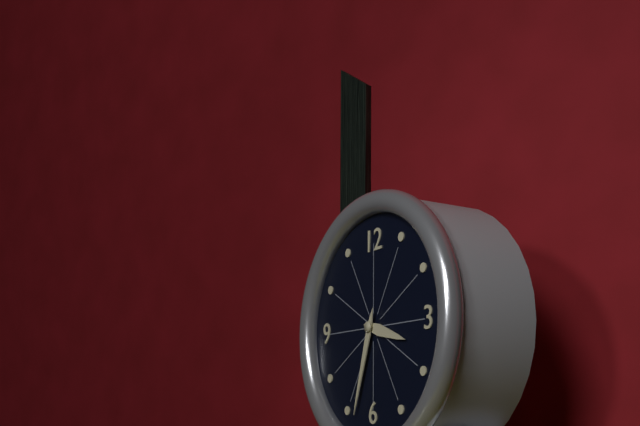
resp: 3h33
